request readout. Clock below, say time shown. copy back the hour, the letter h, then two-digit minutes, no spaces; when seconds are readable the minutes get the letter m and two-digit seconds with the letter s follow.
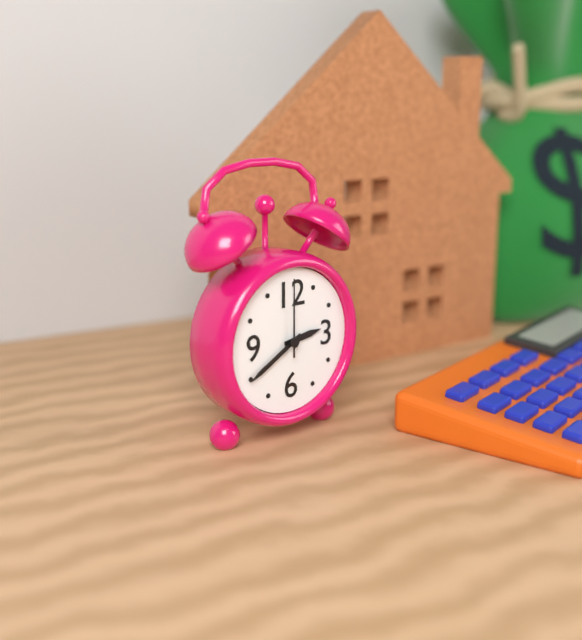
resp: 2h40m00s
